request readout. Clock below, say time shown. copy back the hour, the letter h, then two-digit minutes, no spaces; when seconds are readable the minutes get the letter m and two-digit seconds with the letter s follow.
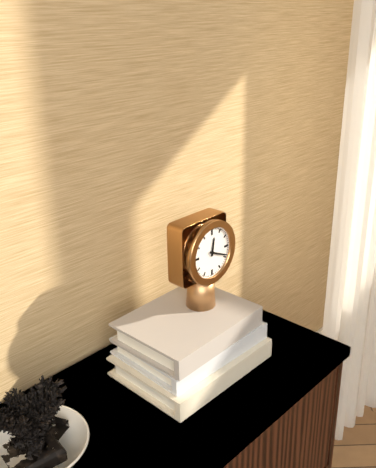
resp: 12h19
